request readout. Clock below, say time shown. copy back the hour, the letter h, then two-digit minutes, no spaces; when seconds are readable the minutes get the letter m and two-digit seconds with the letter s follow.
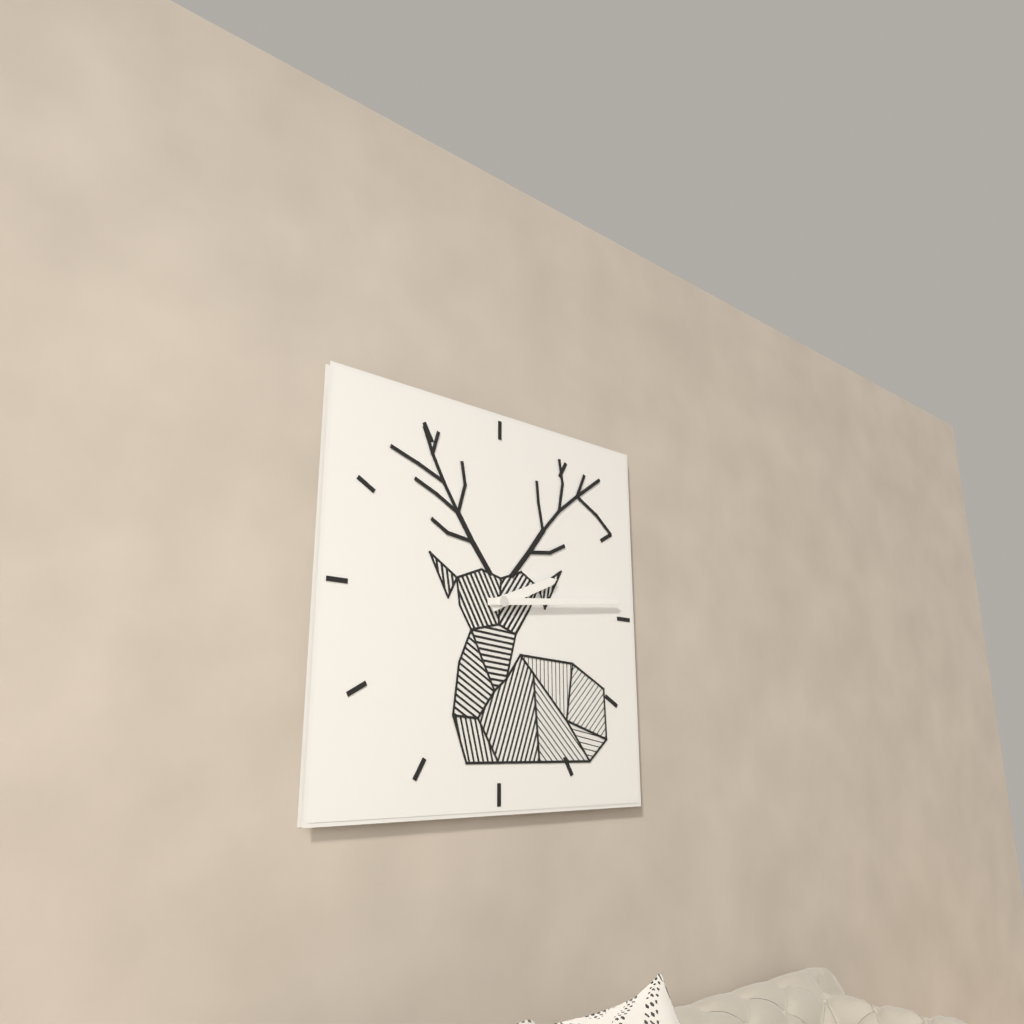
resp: 2h14
